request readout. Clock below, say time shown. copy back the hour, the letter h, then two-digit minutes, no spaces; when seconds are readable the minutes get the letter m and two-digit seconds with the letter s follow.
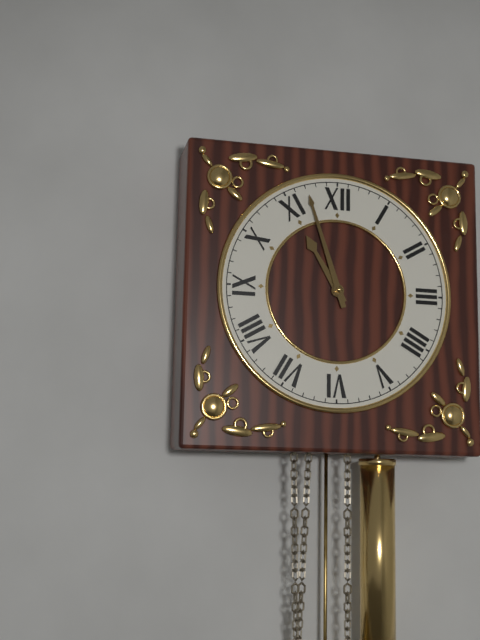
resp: 10h57
